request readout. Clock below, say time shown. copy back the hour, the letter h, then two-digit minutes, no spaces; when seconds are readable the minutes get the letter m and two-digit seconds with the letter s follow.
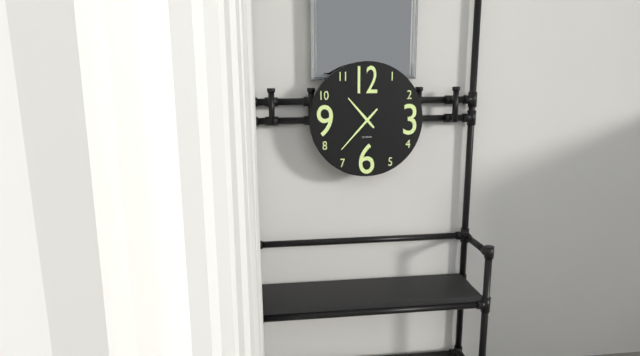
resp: 10h37
